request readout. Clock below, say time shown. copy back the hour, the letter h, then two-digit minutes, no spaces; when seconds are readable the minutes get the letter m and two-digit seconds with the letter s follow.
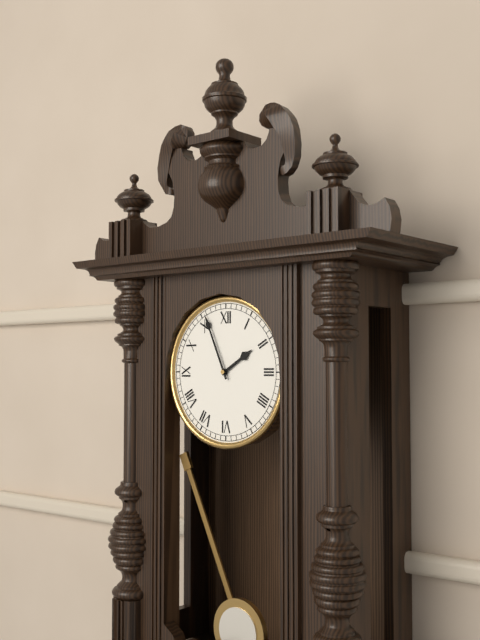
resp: 1h56
